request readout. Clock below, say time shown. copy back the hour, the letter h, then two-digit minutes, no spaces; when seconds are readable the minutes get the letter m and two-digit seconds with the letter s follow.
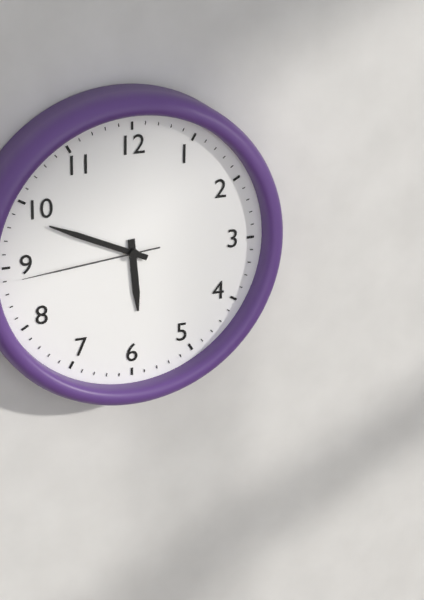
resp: 5h49m44s
